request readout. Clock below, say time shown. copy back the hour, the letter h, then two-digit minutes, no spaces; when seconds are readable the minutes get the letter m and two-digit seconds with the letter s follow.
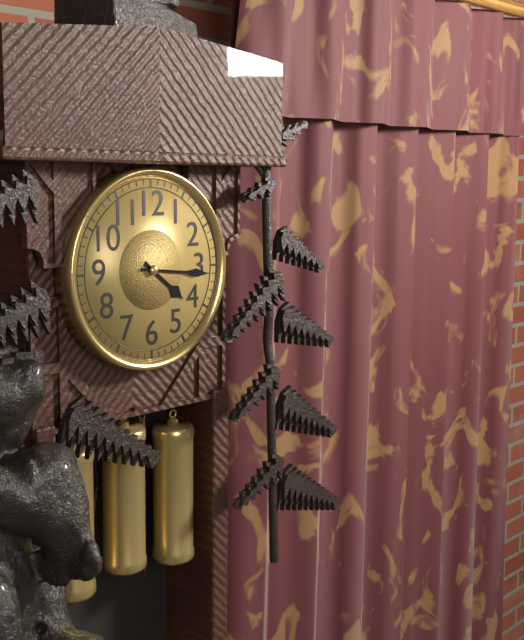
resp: 4h16
